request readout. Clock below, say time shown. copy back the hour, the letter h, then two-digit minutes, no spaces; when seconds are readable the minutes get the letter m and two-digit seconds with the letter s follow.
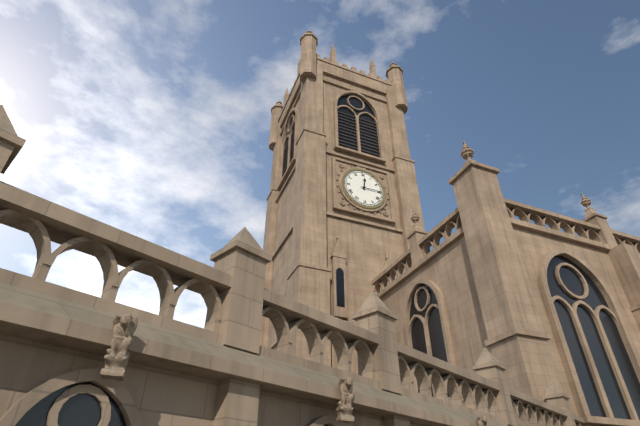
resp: 12h15
